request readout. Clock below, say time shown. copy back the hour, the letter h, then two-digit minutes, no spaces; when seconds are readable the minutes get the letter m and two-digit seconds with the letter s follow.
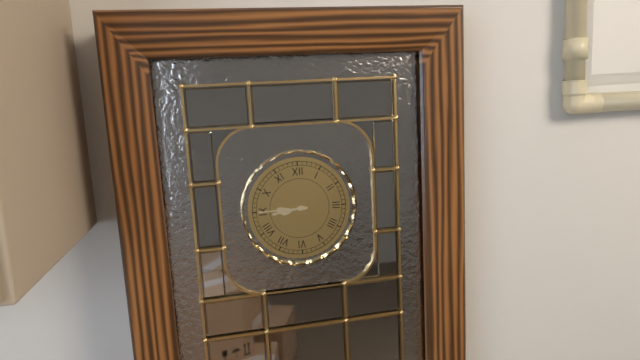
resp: 8h45
